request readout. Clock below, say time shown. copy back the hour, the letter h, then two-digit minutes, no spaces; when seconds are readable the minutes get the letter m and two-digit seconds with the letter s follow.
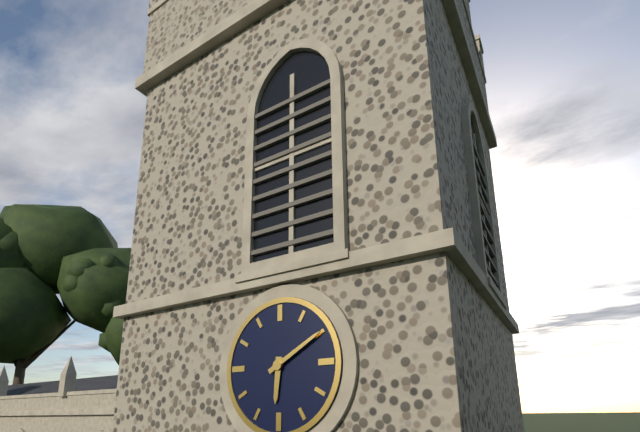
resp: 6h10
